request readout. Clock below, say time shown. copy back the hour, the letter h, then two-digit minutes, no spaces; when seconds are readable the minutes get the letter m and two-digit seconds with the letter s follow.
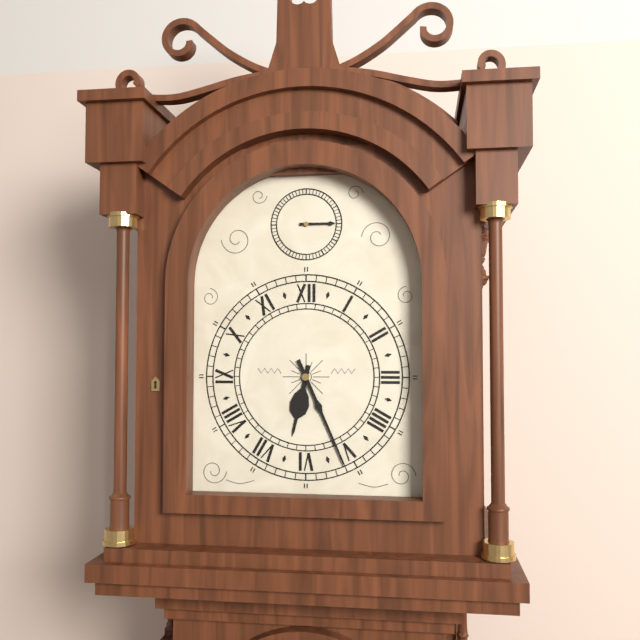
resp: 6h26
